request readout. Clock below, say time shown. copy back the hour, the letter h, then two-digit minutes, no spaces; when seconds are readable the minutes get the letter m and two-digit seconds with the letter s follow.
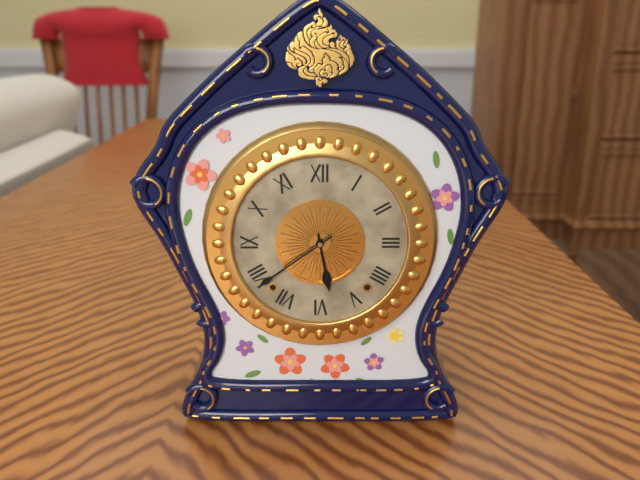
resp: 5h39
